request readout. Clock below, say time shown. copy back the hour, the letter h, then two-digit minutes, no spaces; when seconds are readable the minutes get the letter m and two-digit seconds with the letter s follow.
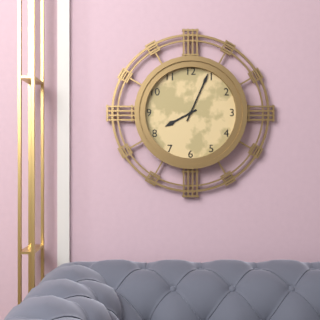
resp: 8h04
